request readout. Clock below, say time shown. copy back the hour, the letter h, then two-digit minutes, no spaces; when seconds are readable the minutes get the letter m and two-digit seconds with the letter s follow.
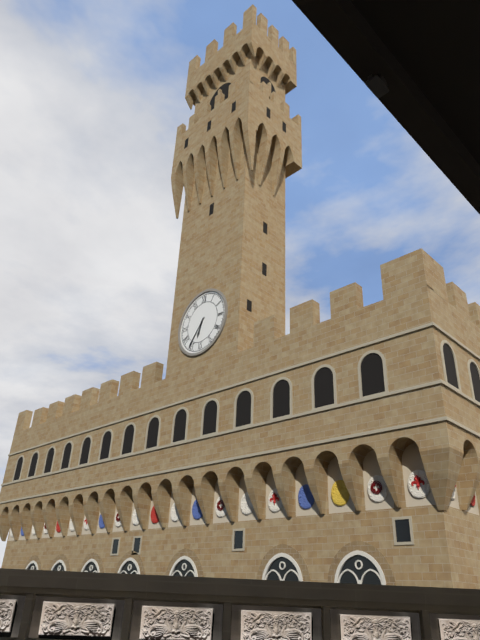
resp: 6h36
